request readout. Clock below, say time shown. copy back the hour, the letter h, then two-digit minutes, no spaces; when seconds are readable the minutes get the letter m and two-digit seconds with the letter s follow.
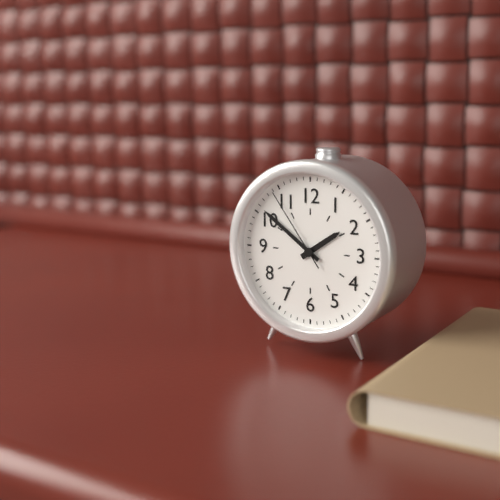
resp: 1h51m54s
